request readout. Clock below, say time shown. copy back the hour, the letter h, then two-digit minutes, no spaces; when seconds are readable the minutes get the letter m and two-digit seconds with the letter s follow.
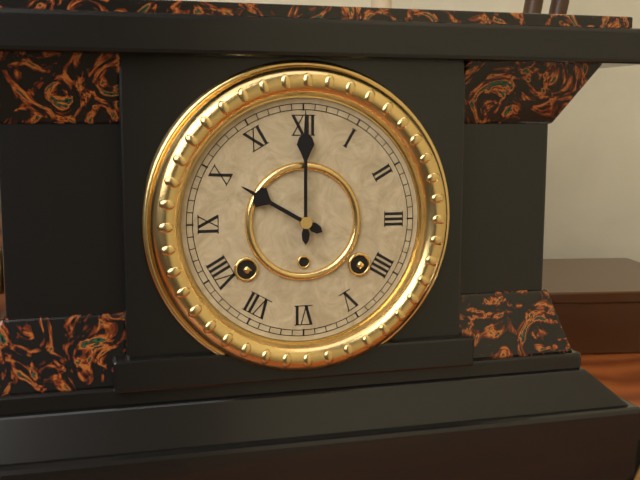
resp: 10h00
